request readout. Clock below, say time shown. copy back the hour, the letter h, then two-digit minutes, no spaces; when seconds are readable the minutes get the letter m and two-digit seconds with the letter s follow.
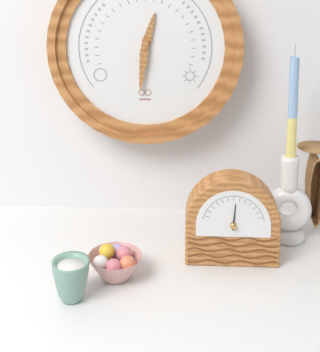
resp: 12h31
